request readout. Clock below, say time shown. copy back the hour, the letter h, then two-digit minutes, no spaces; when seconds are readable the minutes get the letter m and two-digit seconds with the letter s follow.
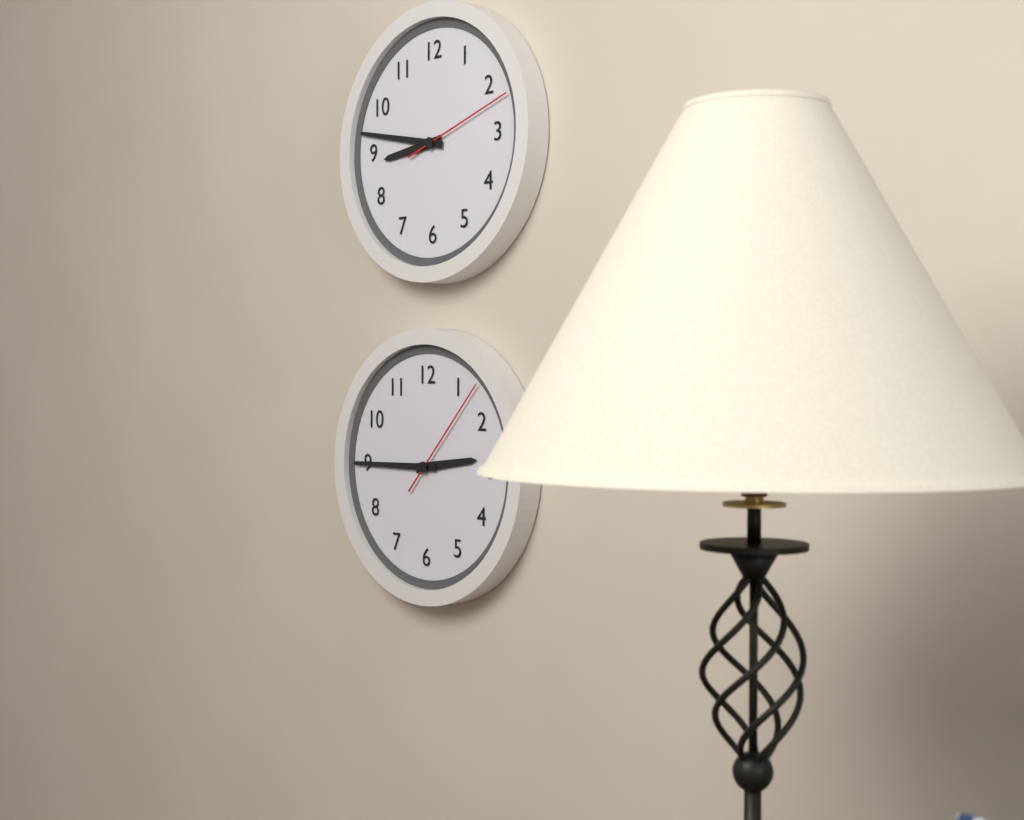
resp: 2h45m07s
